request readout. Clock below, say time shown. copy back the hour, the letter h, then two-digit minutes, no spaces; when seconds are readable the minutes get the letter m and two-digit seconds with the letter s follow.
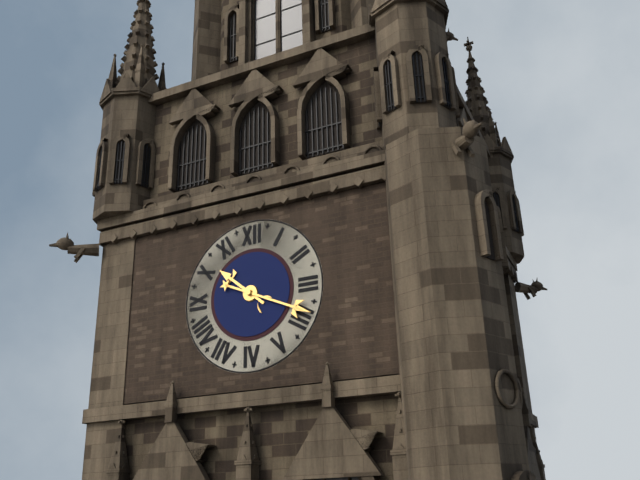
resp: 10h19
